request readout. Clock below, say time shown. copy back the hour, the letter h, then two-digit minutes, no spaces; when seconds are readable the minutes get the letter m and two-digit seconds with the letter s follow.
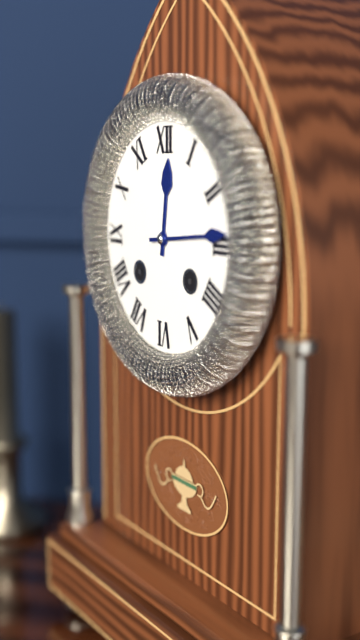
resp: 12h14
